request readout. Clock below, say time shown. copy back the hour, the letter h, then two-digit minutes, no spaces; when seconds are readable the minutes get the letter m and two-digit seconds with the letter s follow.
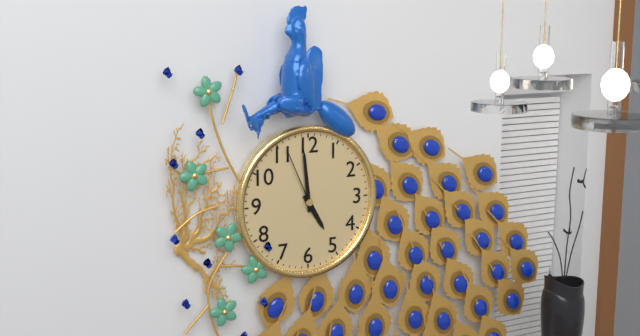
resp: 4h59m56s
